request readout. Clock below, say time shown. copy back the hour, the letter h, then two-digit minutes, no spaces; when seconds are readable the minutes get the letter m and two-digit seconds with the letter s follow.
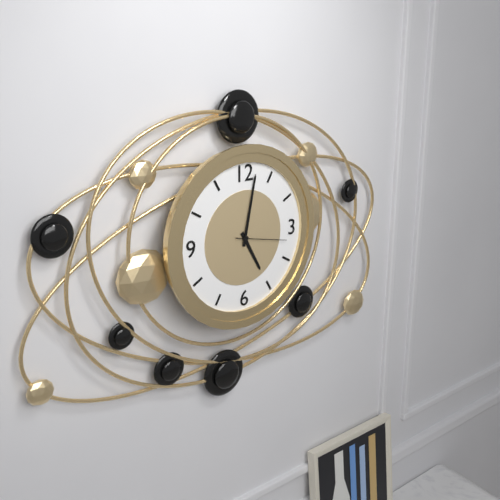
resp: 5h02m17s
